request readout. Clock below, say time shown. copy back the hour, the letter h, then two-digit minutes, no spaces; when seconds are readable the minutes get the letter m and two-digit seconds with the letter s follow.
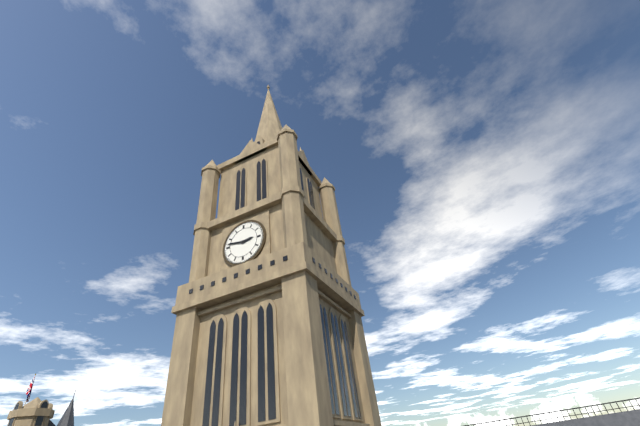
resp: 2h47
